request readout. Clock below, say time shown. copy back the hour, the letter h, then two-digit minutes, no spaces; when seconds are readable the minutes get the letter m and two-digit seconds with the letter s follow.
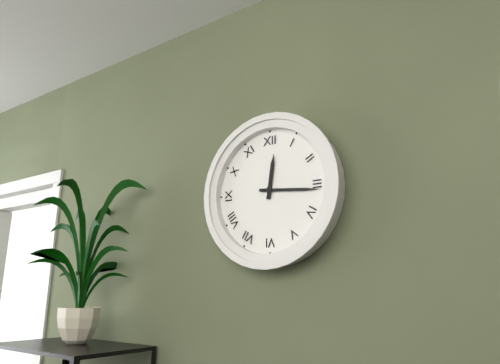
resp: 12h16
